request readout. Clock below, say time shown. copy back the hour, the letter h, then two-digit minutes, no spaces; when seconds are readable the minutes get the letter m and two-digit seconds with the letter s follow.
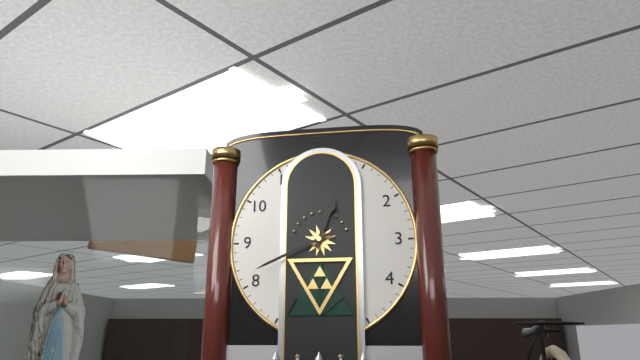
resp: 12h41
